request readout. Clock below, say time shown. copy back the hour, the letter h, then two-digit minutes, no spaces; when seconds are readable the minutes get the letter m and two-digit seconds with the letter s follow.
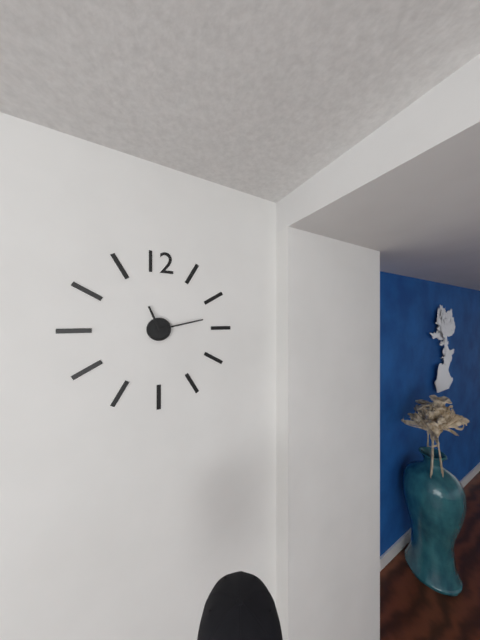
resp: 11h13
